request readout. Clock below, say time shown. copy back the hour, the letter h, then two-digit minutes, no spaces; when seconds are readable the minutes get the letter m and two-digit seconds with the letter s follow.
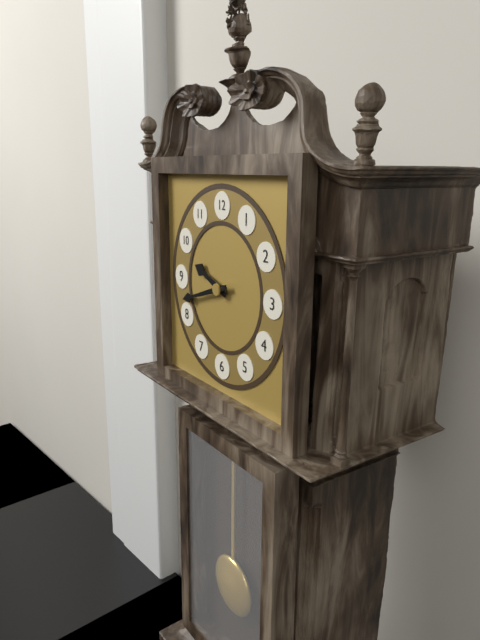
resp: 9h42
